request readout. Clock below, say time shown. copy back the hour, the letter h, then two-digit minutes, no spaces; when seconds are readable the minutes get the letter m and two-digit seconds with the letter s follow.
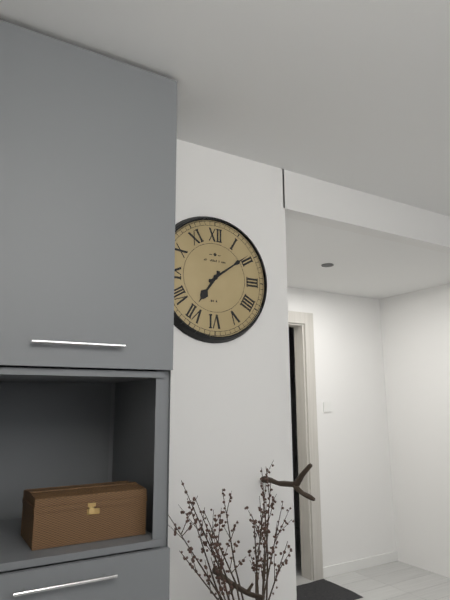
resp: 7h09
